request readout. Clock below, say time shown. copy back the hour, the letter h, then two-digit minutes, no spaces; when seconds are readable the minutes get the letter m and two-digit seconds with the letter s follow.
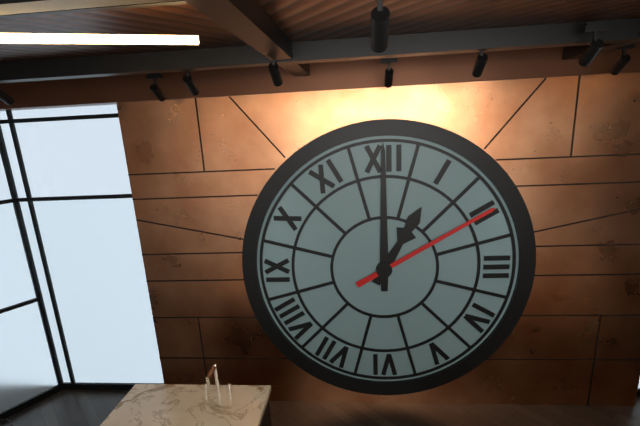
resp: 1h00m10s
